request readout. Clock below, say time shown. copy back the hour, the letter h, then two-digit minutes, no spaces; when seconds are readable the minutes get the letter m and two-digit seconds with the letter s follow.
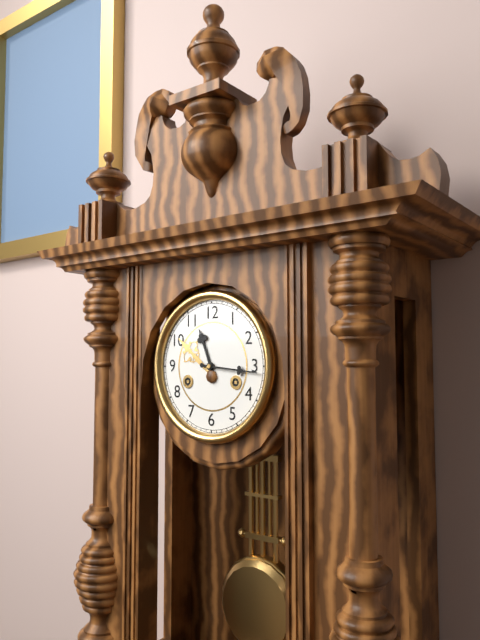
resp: 11h16
